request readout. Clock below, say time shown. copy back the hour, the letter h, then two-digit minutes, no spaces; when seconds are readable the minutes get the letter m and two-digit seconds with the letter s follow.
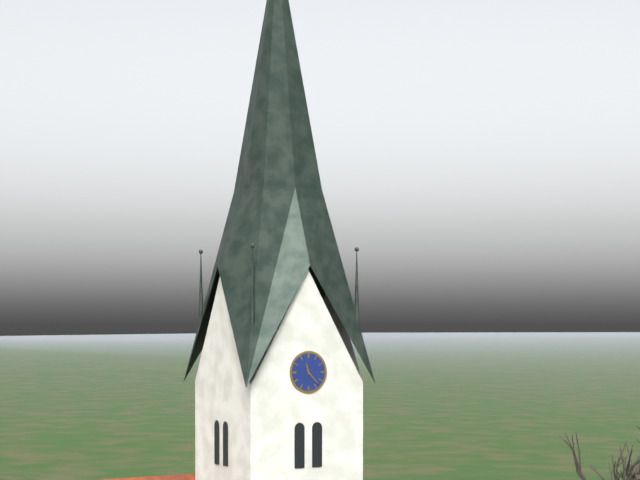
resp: 11h23
